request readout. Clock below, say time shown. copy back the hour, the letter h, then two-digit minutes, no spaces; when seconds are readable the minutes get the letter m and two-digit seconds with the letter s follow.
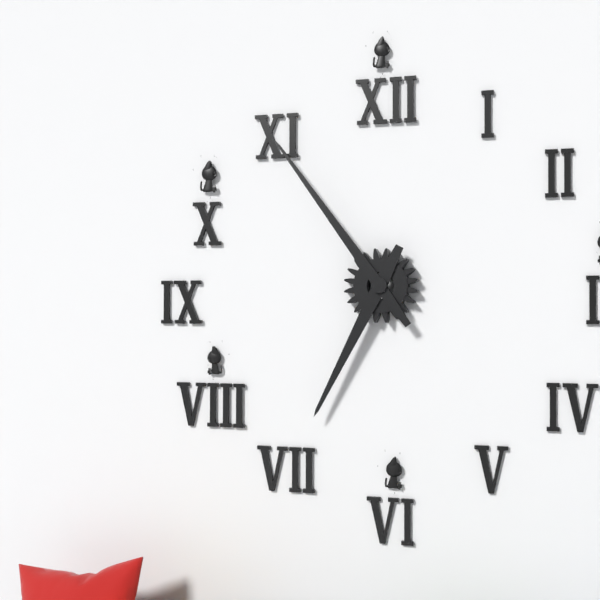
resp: 6h54
